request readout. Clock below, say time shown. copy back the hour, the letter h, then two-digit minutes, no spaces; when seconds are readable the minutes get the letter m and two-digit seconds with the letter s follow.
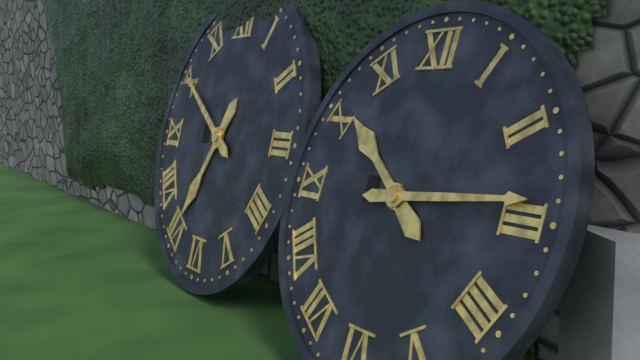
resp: 10h14
